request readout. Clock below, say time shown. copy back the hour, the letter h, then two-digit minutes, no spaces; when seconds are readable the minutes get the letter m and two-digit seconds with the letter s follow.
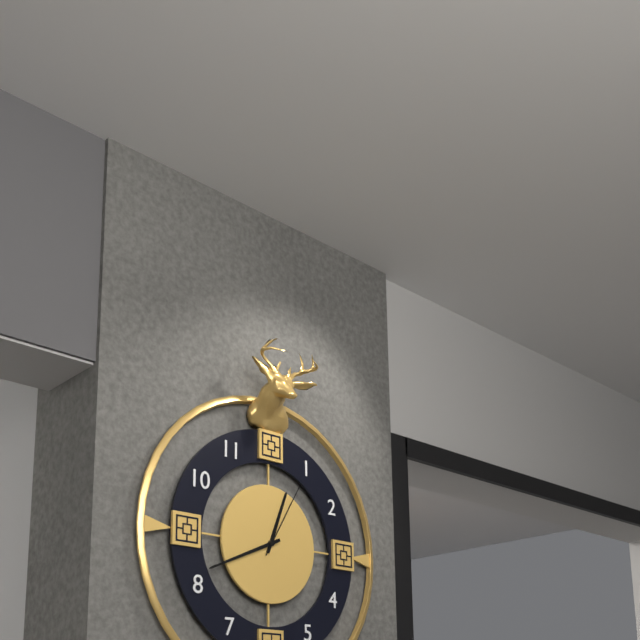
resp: 12h41m05s
